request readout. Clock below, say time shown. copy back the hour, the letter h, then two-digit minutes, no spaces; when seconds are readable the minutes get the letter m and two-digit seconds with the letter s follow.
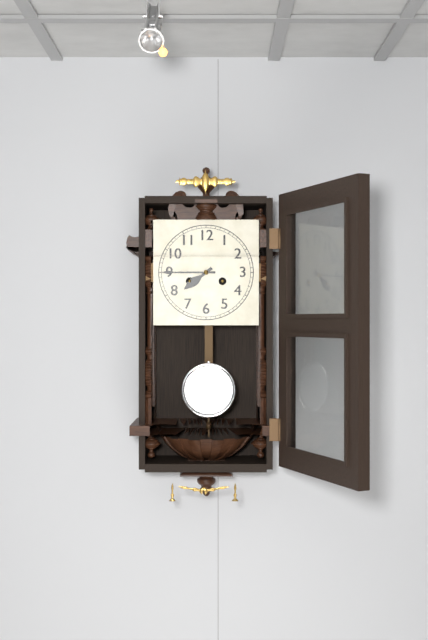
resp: 7h45
